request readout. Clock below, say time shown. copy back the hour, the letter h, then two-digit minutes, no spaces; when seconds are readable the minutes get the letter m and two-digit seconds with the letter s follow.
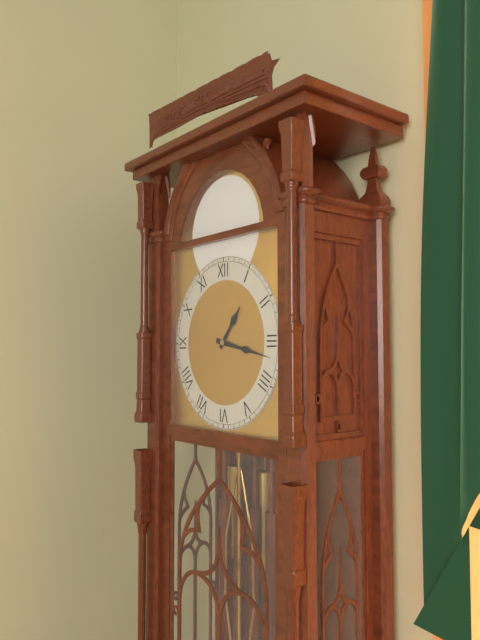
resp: 1h17
